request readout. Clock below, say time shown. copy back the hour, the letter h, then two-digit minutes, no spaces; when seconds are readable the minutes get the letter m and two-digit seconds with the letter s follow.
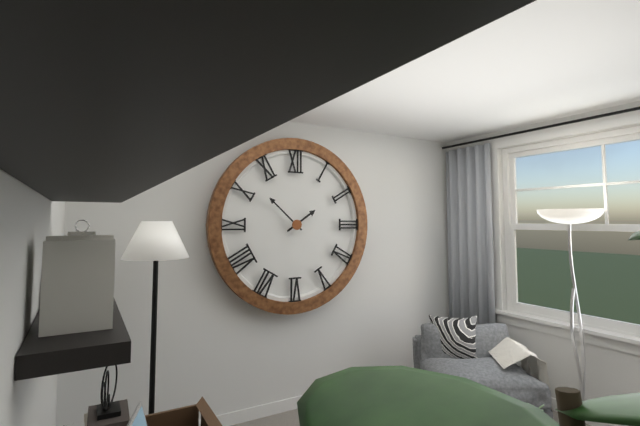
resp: 1h52
